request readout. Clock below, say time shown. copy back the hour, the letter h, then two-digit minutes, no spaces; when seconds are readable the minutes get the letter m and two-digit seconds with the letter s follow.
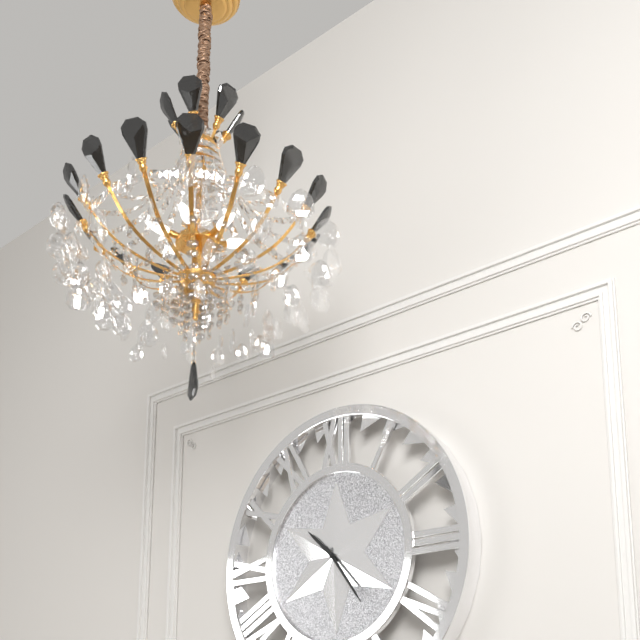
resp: 10h24
